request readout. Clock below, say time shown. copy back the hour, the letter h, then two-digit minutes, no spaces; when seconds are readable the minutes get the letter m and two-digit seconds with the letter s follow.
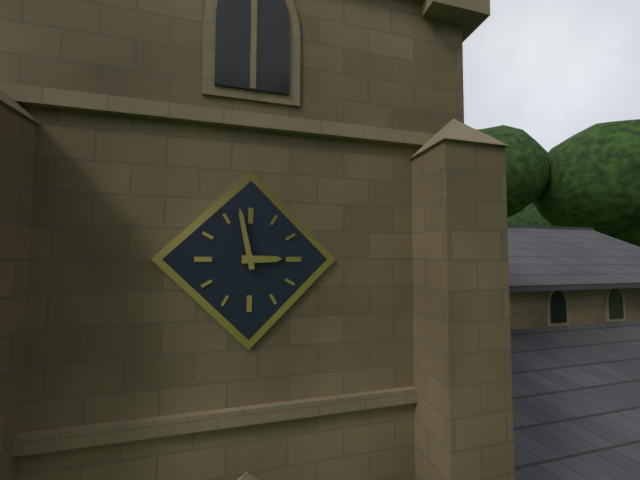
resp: 2h58
